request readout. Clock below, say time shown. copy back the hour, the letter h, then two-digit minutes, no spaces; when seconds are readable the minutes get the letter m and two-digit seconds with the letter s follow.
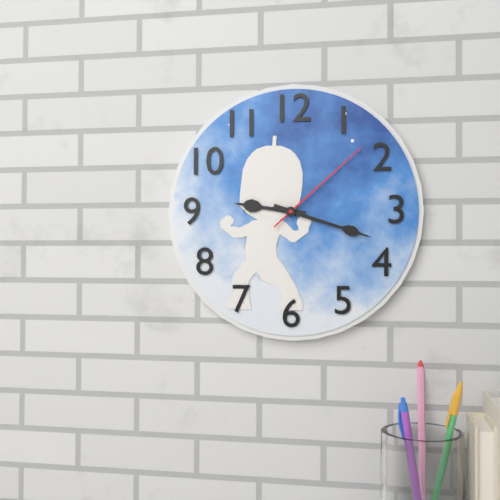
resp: 9h18m08s
